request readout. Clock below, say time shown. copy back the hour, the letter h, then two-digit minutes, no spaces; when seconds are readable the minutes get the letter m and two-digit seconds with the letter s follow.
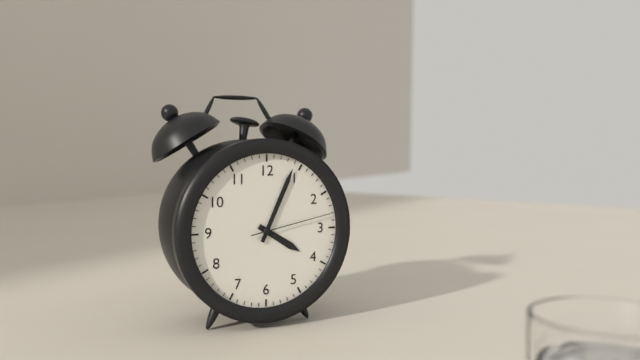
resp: 4h04m13s
